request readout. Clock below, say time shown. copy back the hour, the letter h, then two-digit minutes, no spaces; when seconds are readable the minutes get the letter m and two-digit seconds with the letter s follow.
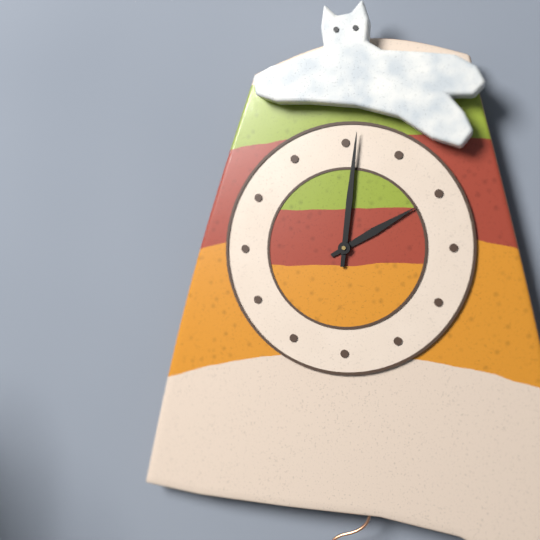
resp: 2h01
